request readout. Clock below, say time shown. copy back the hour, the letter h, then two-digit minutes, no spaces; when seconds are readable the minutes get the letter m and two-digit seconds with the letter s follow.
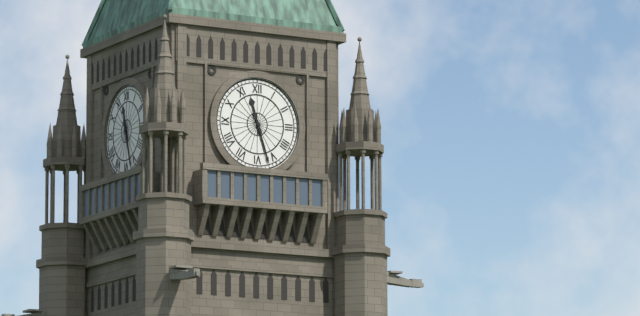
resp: 11h27
